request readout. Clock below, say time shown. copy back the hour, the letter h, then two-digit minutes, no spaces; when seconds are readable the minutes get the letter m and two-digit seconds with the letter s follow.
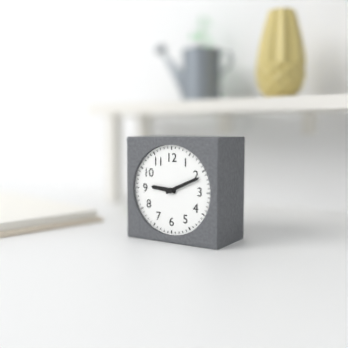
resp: 9h11
